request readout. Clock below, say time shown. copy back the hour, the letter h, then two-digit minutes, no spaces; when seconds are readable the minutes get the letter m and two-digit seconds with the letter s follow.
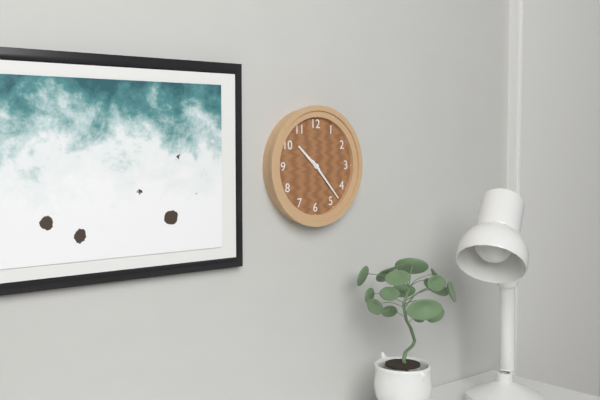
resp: 10h23
